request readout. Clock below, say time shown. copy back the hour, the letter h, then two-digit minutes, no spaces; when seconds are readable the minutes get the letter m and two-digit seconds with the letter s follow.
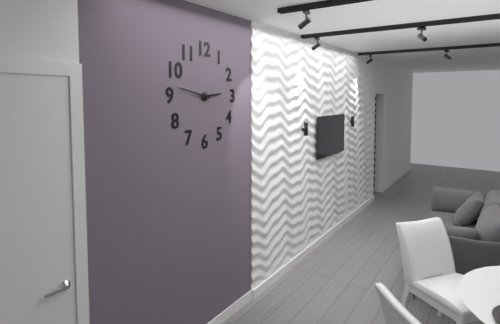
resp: 2h47
